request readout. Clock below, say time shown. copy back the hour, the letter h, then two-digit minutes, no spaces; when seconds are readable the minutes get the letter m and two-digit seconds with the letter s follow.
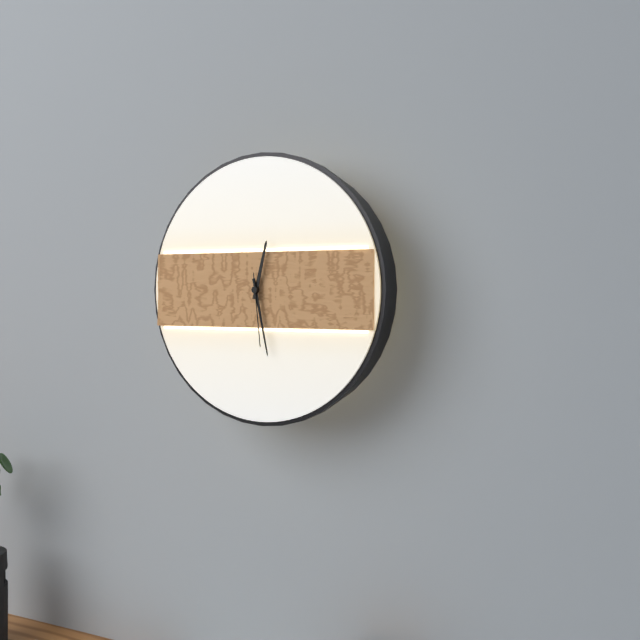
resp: 12h28m29s
